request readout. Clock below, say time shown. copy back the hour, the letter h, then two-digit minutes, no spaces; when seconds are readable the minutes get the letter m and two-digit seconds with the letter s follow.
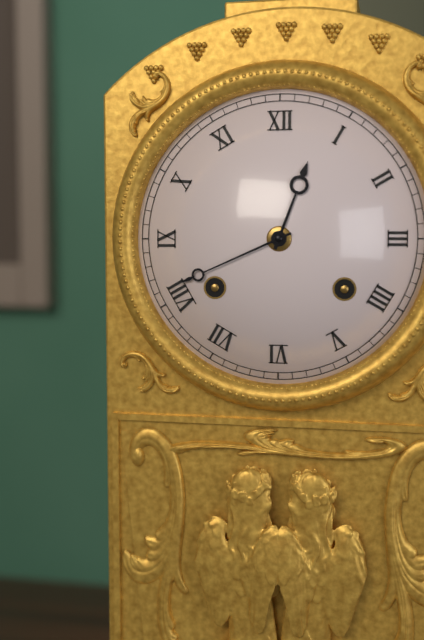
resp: 12h41
